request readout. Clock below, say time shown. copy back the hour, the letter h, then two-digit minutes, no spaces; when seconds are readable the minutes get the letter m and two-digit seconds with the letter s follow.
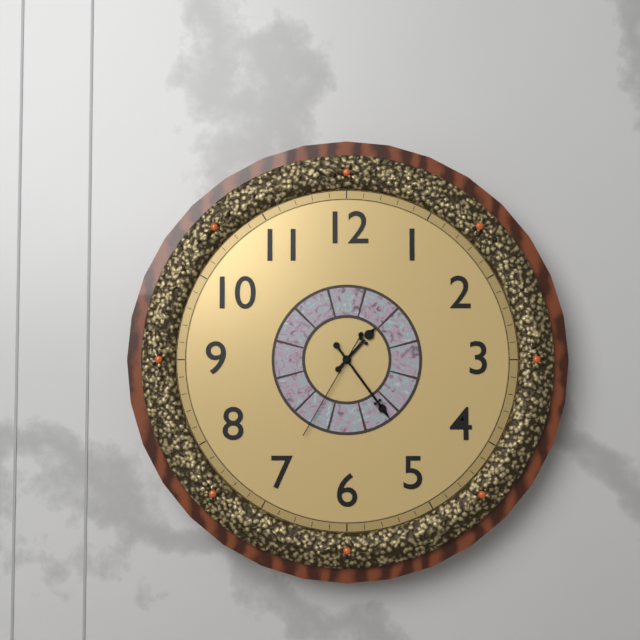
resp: 1h24m35s
